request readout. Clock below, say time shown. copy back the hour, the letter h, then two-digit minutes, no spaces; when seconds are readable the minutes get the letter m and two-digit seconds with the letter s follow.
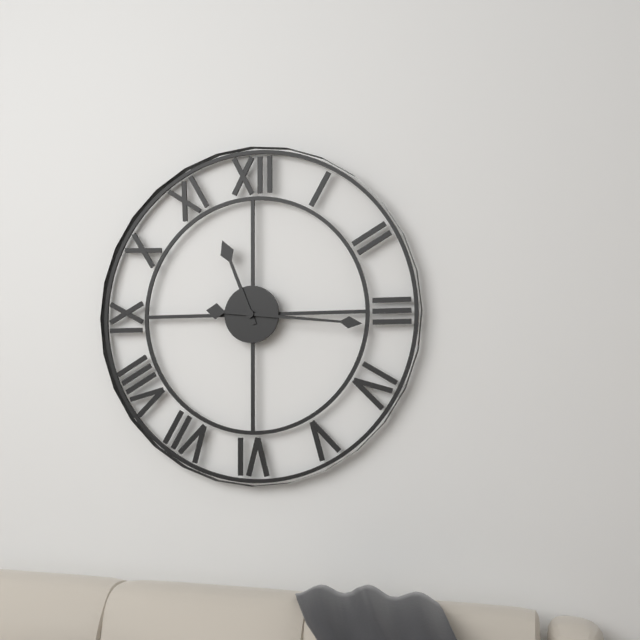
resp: 11h16
